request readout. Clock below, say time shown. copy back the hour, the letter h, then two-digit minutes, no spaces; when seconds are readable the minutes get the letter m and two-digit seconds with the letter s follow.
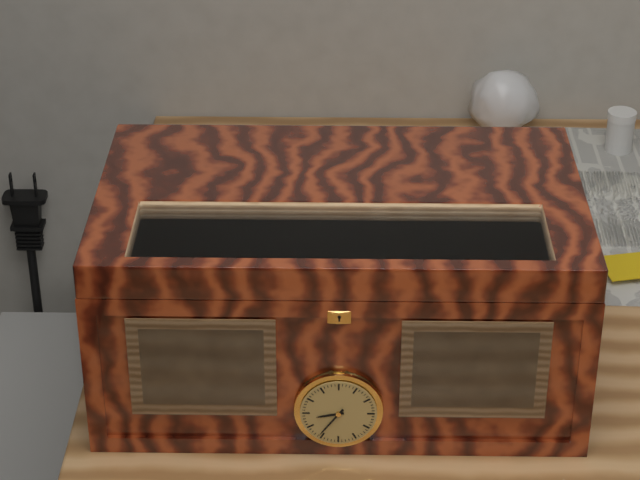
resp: 8h36
